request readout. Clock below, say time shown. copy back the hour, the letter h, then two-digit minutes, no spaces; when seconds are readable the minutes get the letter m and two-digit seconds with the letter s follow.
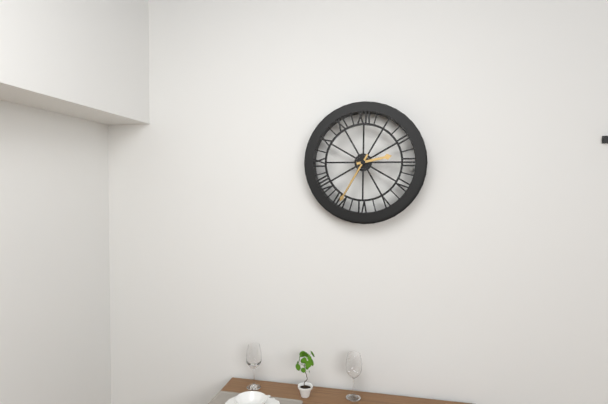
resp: 2h35
